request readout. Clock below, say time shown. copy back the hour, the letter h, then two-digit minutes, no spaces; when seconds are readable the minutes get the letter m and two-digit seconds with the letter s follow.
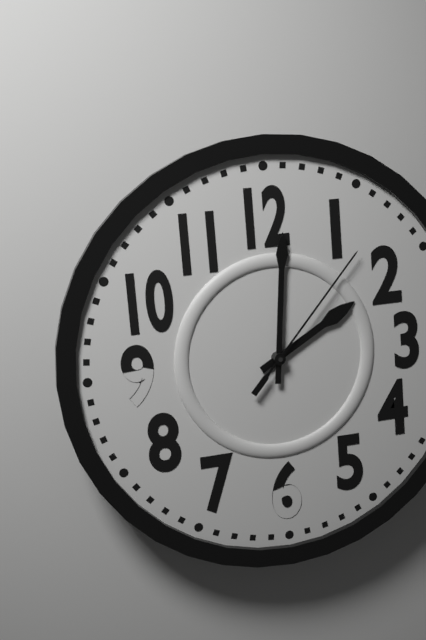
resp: 2h01m07s
